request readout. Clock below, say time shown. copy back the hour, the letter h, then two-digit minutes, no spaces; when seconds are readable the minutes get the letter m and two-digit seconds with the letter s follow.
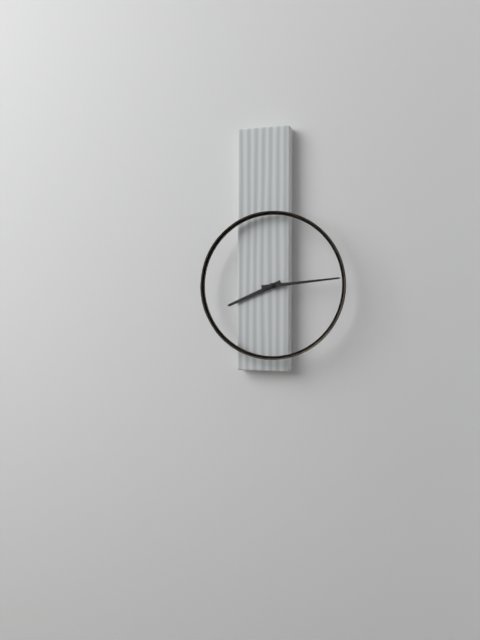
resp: 8h14
